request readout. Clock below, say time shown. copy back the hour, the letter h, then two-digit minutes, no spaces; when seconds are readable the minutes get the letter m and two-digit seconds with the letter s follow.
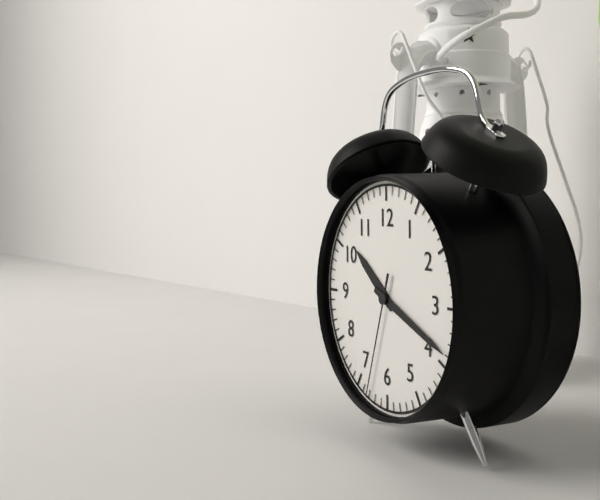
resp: 10h19m33s
